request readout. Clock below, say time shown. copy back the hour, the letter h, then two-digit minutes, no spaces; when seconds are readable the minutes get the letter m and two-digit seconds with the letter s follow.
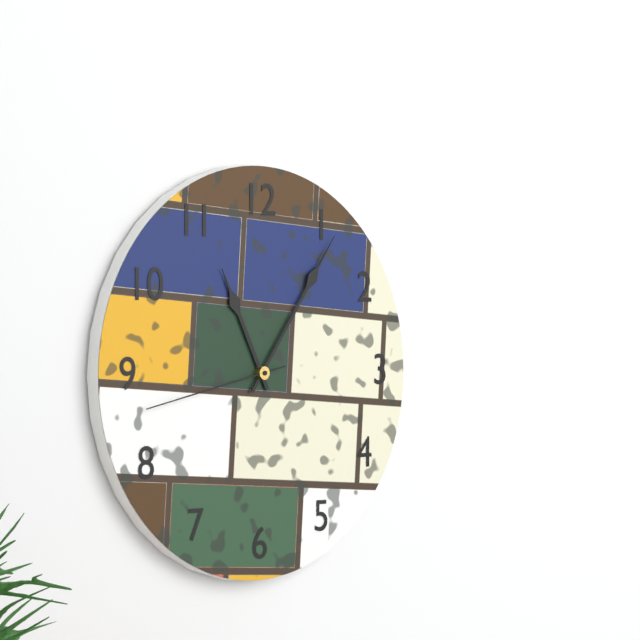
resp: 11h06m43s
